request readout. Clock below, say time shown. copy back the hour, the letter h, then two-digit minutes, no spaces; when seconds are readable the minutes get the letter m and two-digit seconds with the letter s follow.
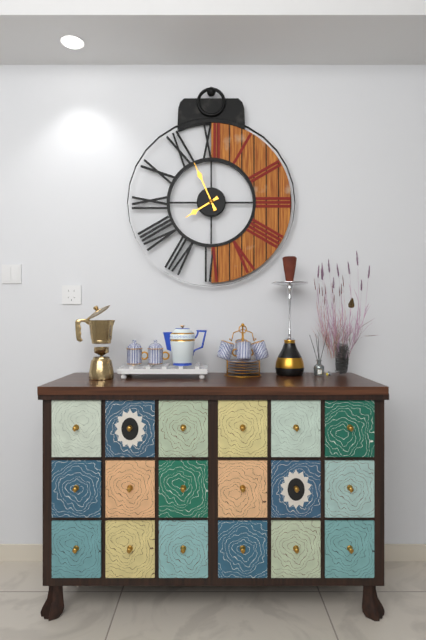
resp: 7h56
